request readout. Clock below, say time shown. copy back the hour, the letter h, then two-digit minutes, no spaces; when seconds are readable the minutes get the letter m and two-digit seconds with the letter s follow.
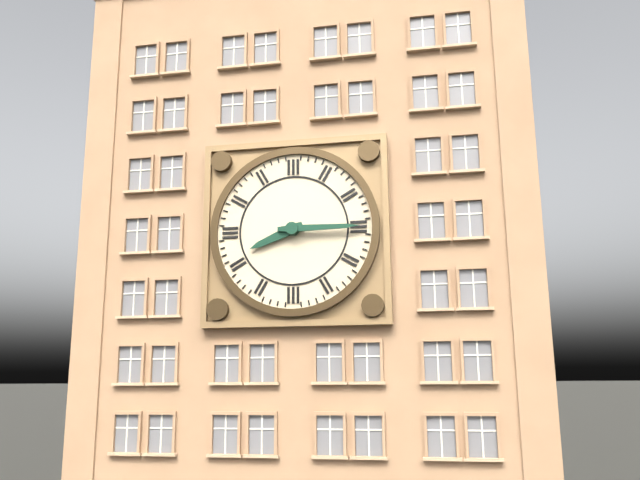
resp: 8h15
